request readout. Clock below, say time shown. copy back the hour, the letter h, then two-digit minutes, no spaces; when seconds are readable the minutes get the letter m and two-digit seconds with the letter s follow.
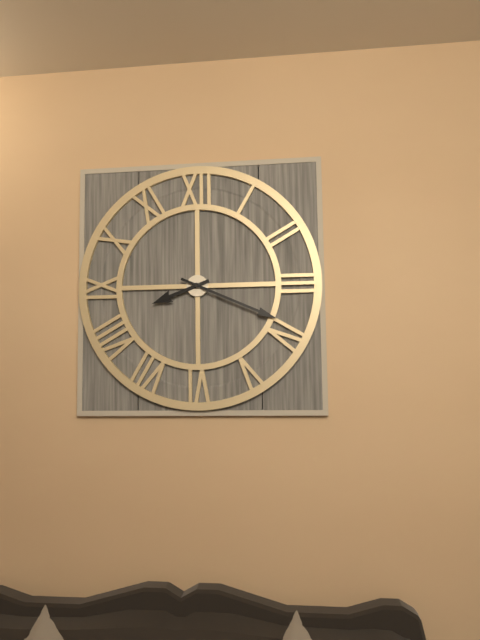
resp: 8h19
